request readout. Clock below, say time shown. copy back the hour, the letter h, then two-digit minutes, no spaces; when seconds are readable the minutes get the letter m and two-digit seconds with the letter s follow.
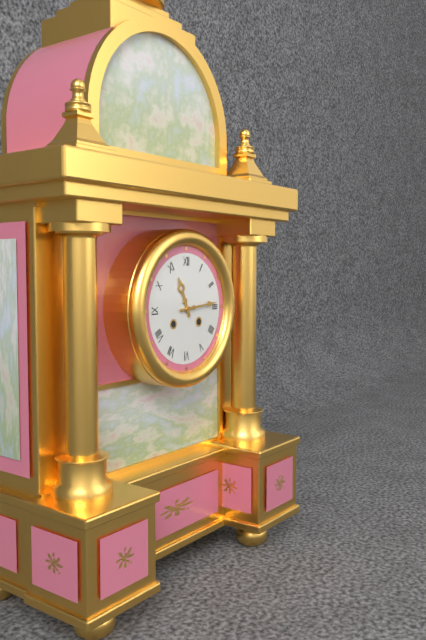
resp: 11h14
